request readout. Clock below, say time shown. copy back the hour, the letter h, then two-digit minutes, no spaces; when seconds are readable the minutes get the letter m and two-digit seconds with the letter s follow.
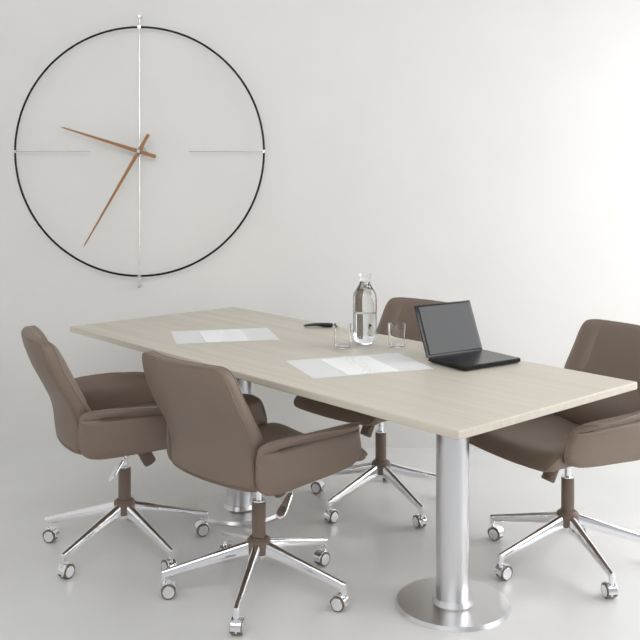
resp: 9h35
